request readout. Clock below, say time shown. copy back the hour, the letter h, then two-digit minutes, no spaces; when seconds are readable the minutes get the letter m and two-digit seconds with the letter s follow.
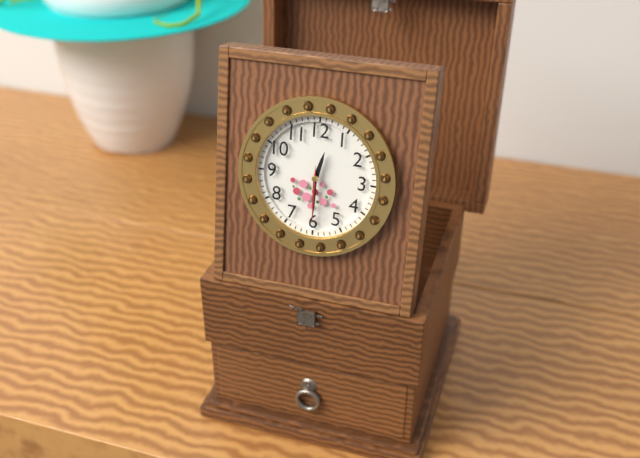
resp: 12h30m30s
